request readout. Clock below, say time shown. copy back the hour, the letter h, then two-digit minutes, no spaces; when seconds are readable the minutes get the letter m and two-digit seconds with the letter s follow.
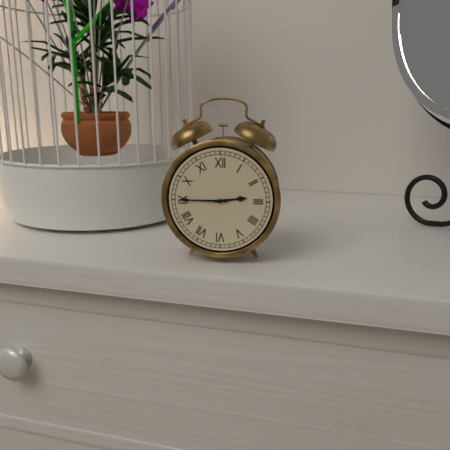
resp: 2h45
